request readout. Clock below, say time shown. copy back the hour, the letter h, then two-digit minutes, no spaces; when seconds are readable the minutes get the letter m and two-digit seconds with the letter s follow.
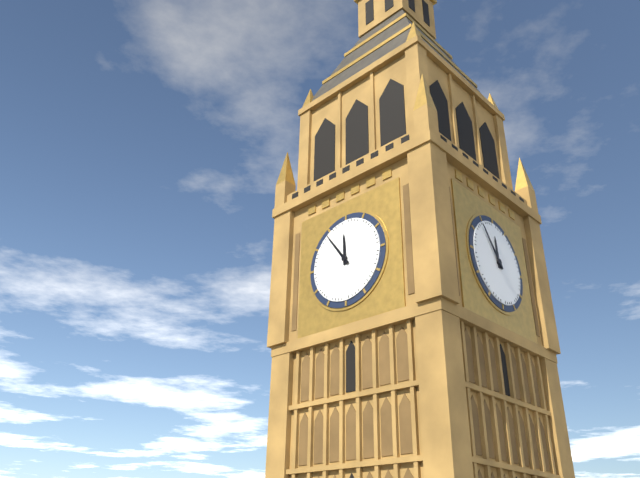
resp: 11h54
